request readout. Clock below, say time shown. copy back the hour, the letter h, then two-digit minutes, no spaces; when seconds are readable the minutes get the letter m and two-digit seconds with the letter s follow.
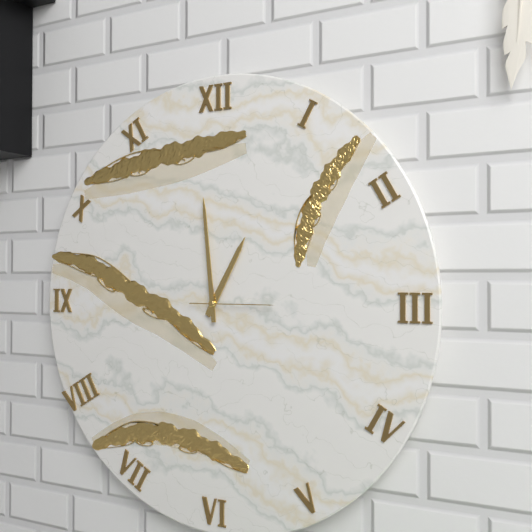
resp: 12h59m15s
